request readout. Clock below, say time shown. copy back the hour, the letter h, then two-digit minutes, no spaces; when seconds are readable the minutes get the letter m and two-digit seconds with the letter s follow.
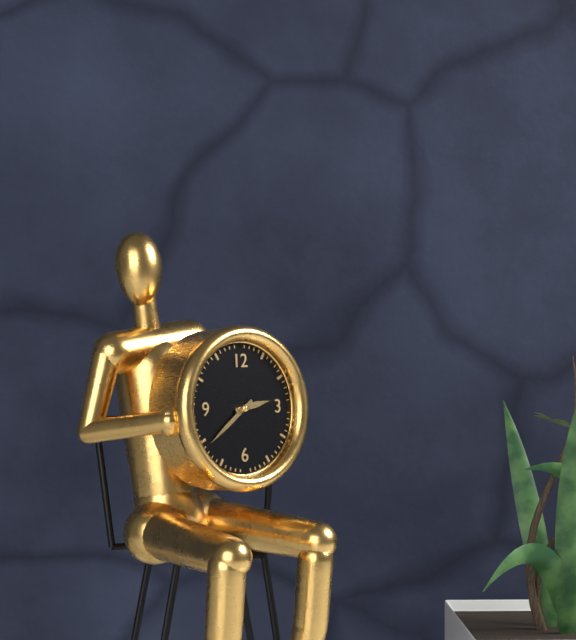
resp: 2h39
